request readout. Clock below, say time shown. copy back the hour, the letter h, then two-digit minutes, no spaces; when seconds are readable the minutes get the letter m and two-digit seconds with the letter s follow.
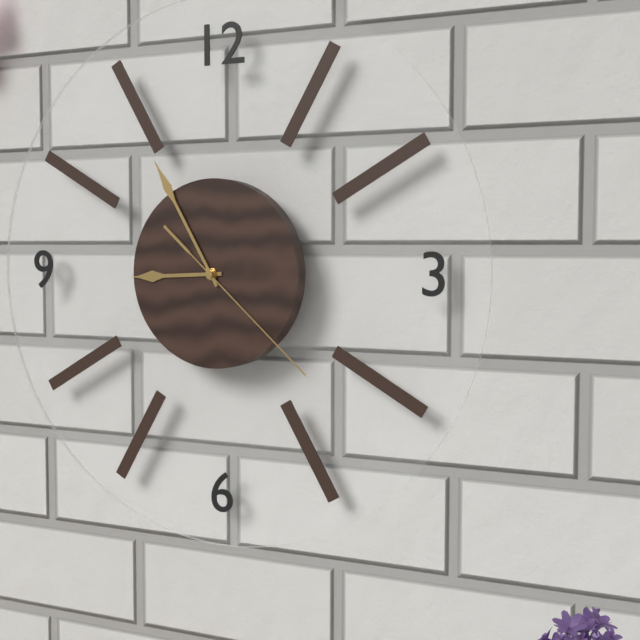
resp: 8h55m22s
